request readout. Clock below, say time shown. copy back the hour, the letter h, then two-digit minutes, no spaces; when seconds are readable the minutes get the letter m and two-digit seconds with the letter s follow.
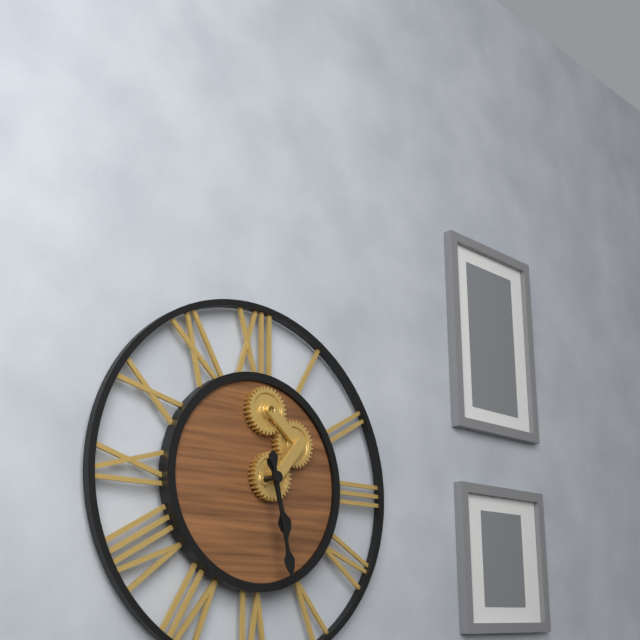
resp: 5h28
